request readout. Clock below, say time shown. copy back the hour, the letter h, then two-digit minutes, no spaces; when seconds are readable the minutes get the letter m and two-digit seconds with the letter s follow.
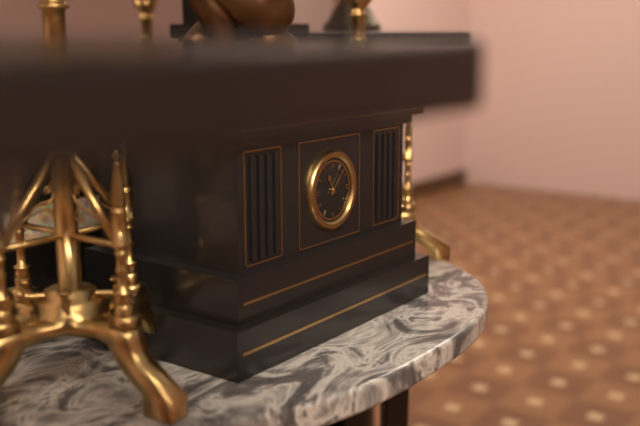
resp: 11h07
